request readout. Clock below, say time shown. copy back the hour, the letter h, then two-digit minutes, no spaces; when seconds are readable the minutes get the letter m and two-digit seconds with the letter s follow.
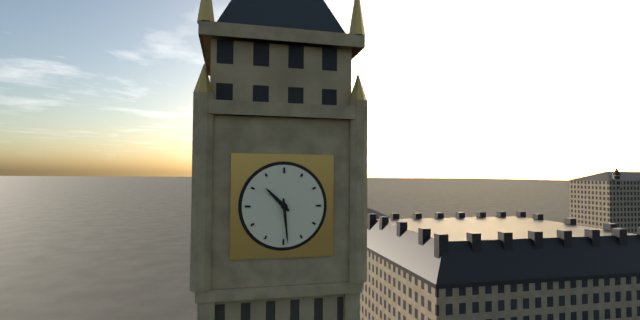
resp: 10h29
